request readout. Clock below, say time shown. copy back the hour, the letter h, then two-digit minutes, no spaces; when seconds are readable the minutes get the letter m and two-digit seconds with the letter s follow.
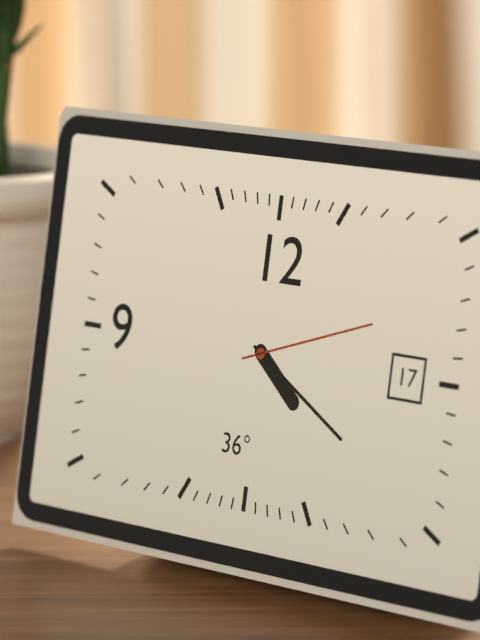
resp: 4h20m12s
